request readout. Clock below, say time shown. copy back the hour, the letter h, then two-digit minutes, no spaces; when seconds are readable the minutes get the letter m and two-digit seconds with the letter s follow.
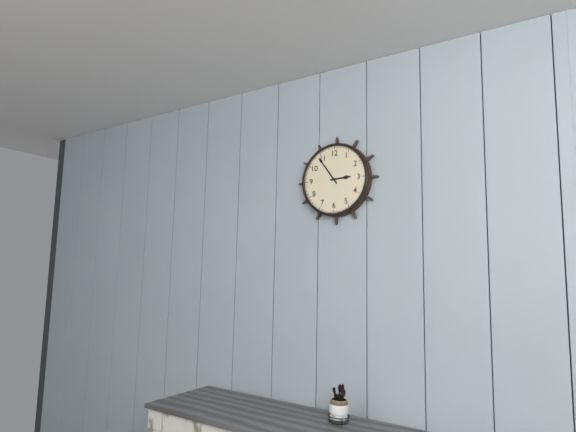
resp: 2h54
